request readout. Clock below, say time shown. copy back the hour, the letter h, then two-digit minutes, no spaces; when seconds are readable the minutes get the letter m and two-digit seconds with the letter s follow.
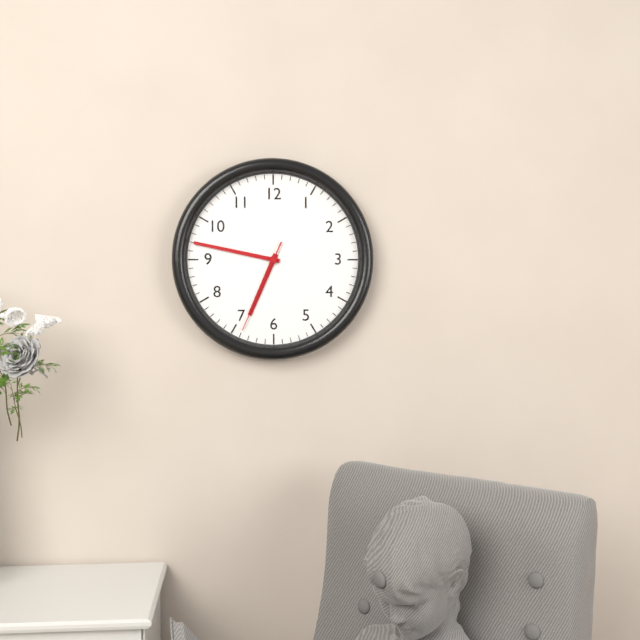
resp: 6h47m34s
